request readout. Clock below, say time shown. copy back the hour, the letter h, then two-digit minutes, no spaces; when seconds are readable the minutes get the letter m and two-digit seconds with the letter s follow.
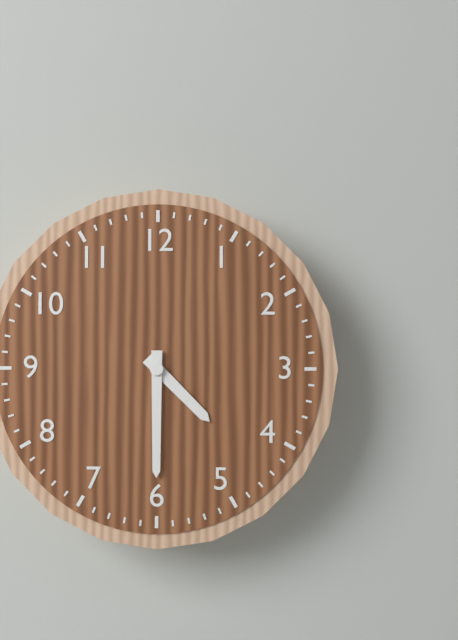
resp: 4h30
